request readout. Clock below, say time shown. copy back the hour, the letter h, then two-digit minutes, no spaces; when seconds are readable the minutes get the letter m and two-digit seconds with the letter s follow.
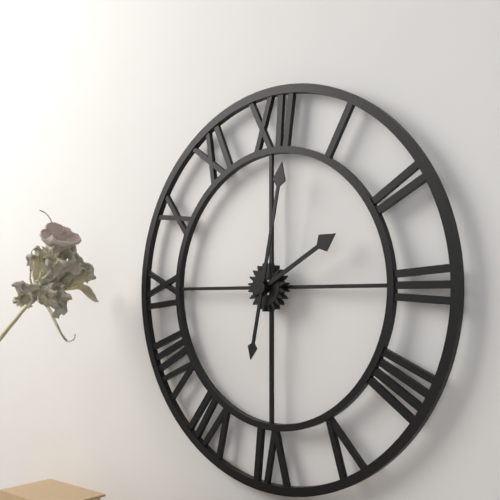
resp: 2h02
